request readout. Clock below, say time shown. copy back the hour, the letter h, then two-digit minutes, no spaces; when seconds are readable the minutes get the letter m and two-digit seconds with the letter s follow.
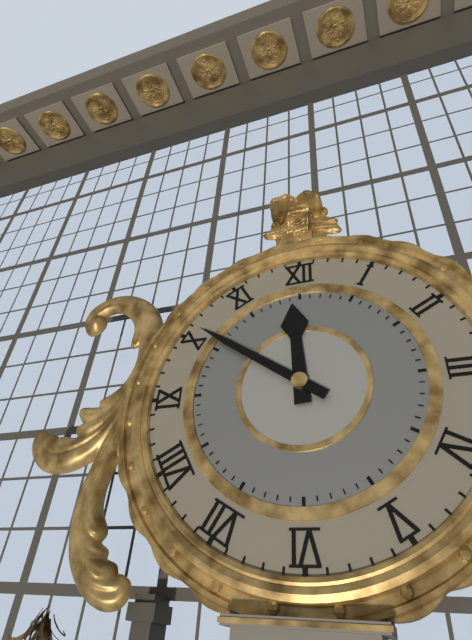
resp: 11h51
